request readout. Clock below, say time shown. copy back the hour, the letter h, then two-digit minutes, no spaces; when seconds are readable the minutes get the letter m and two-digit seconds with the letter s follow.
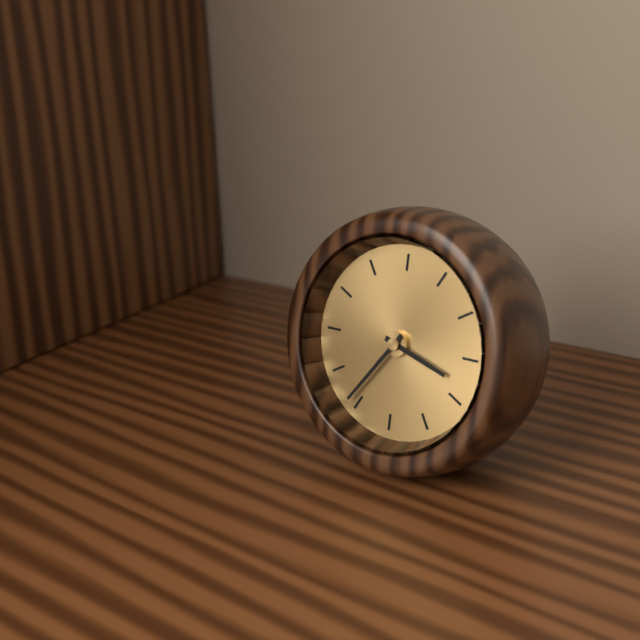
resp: 3h36
